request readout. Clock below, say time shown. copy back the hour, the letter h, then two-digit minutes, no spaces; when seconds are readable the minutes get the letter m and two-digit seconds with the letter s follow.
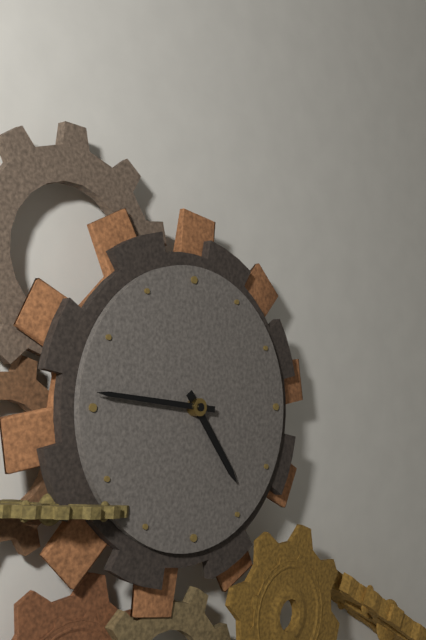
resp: 4h46
